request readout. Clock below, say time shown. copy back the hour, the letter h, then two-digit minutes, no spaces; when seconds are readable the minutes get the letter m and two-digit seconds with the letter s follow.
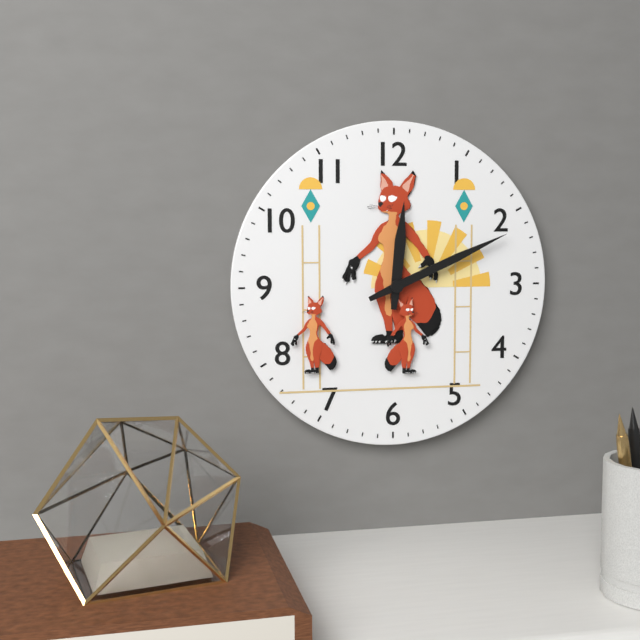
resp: 12h11
